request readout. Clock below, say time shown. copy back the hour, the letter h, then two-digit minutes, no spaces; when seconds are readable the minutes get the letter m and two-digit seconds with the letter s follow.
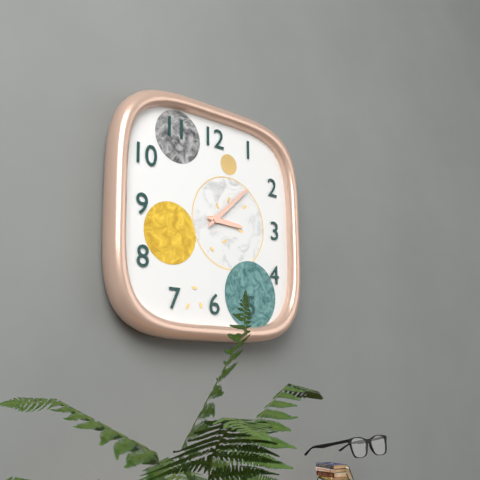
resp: 3h08
